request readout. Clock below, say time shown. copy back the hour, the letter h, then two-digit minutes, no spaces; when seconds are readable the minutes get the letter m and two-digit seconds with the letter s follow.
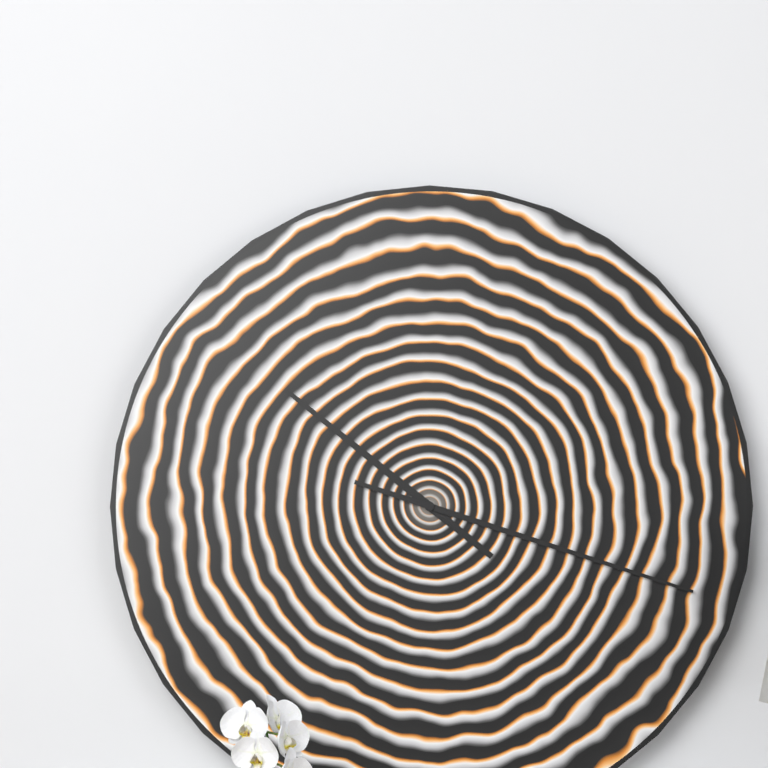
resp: 10h18
